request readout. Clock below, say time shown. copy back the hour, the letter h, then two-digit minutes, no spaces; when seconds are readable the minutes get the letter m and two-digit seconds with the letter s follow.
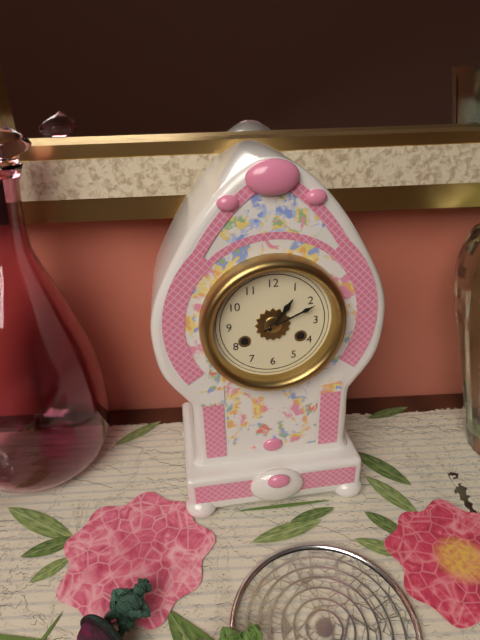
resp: 1h11
